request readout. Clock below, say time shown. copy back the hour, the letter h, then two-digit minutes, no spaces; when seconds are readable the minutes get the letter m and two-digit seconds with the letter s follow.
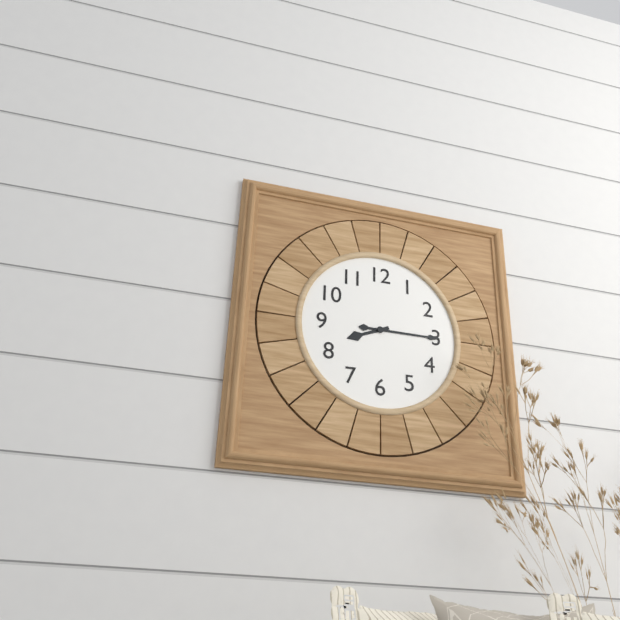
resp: 8h15
